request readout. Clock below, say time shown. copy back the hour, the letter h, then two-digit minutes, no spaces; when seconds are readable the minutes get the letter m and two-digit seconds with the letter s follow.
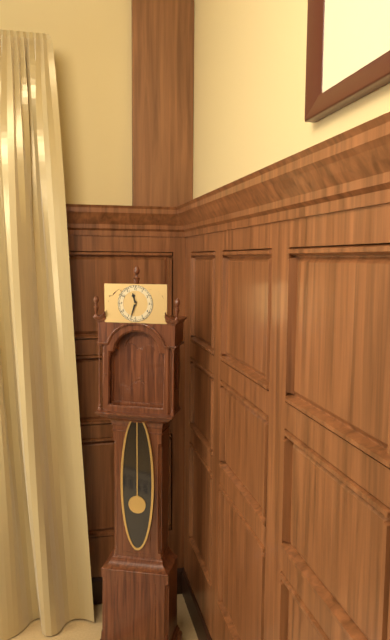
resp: 11h33
